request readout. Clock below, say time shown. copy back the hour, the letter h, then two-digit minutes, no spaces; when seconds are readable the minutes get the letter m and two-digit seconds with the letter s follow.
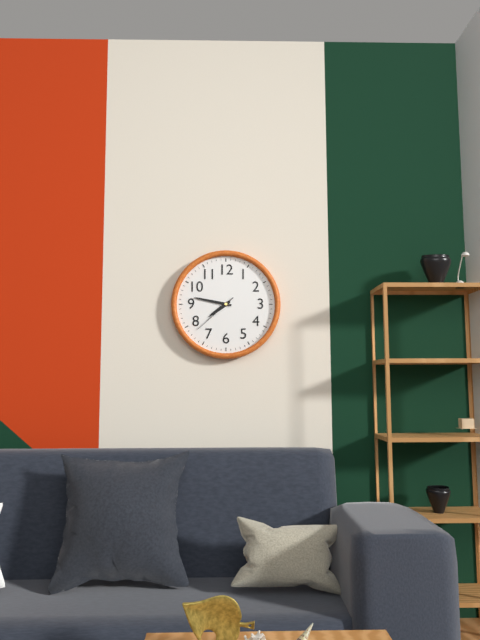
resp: 7h47
